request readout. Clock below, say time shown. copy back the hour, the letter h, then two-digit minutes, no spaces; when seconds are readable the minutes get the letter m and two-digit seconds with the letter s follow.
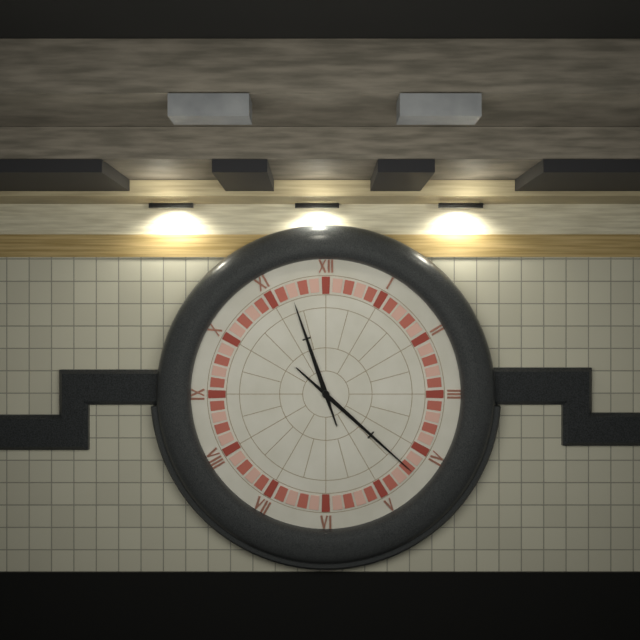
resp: 11h22
